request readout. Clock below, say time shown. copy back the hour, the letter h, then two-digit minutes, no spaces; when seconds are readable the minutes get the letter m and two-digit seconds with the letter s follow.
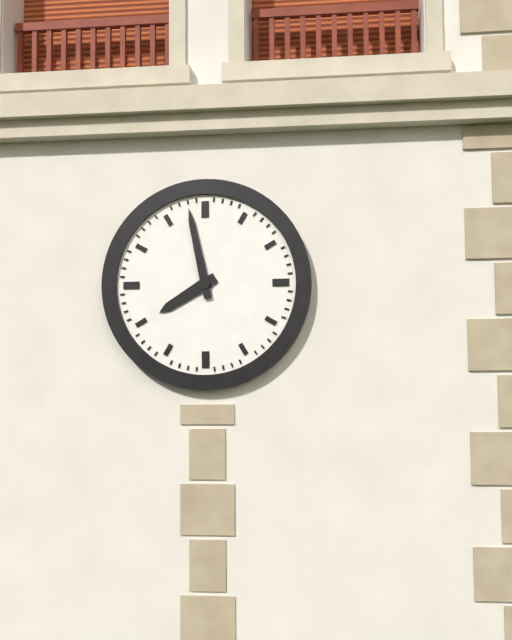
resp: 7h58
